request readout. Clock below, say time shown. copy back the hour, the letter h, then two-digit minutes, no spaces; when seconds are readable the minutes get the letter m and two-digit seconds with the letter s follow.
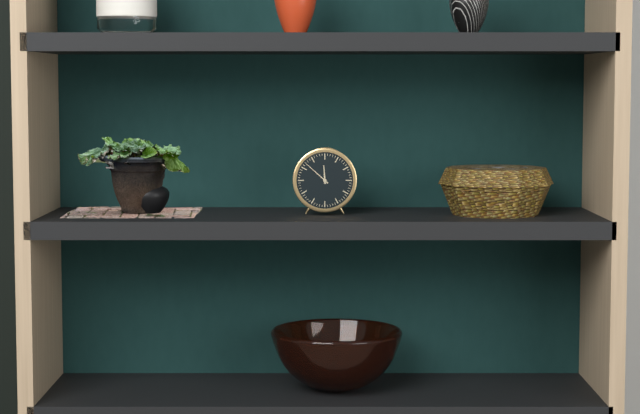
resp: 11h52
